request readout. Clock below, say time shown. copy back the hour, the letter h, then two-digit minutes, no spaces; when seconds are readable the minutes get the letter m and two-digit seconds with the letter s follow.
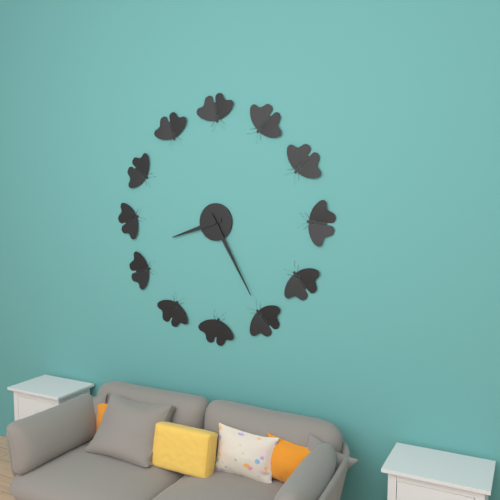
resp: 8h25
